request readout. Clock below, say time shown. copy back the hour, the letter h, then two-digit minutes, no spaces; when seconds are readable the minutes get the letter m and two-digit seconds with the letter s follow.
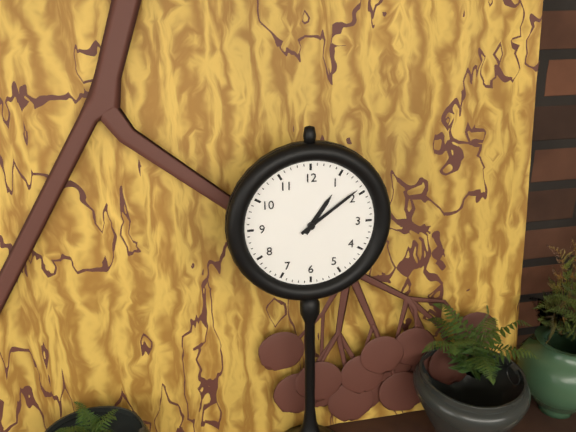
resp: 1h09
